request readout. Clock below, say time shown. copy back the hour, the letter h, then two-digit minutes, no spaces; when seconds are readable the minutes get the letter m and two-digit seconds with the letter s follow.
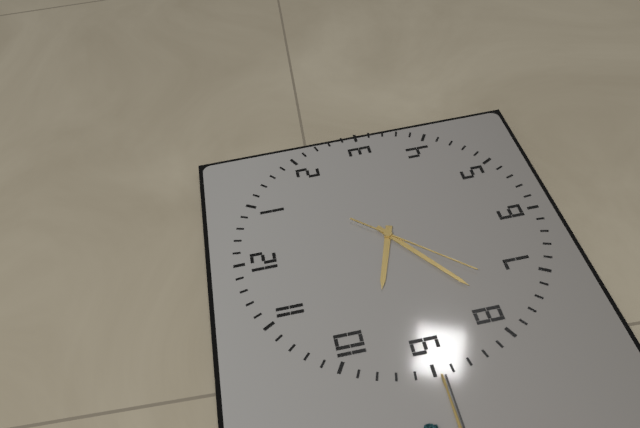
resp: 9h39m37s
